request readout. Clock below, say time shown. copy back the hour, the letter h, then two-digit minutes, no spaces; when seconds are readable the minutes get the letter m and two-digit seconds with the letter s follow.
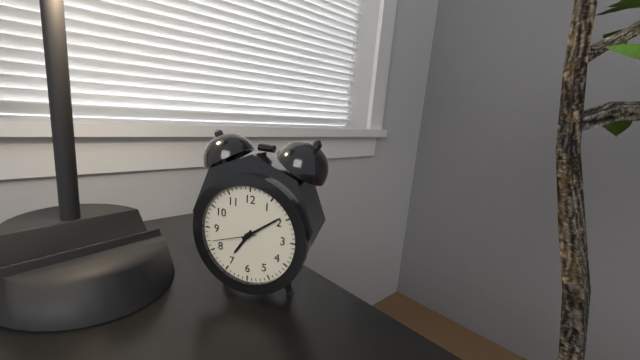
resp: 7h09
